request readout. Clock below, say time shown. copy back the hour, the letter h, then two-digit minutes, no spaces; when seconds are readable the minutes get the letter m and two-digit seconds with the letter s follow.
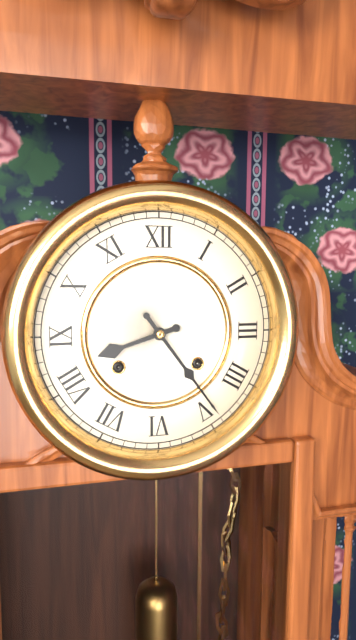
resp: 8h24
